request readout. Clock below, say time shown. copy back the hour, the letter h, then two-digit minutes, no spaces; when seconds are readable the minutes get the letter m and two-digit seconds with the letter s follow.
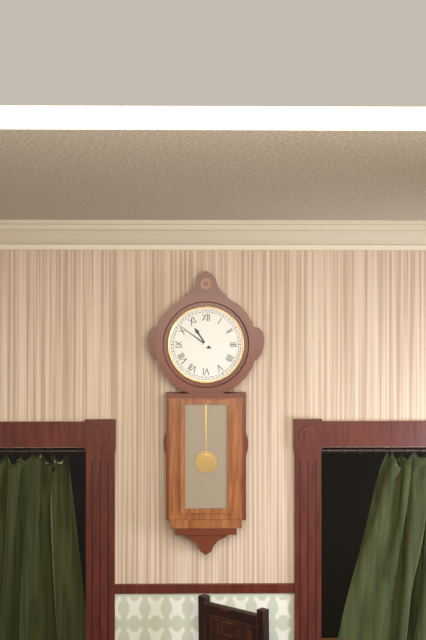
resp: 10h51
